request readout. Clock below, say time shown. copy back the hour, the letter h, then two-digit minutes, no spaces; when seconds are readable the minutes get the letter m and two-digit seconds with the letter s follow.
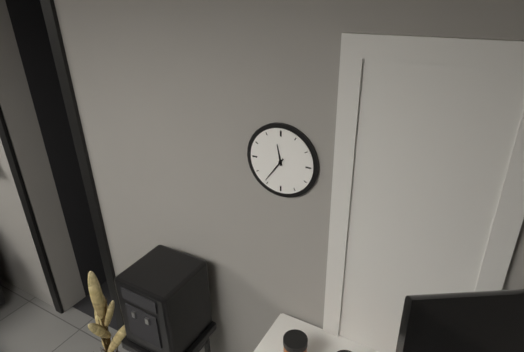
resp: 11h36
